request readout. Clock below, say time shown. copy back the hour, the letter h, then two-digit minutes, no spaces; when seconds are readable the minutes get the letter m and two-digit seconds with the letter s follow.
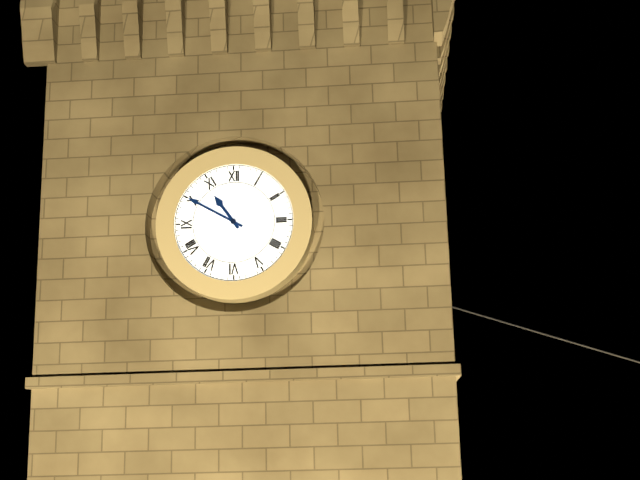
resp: 10h50
